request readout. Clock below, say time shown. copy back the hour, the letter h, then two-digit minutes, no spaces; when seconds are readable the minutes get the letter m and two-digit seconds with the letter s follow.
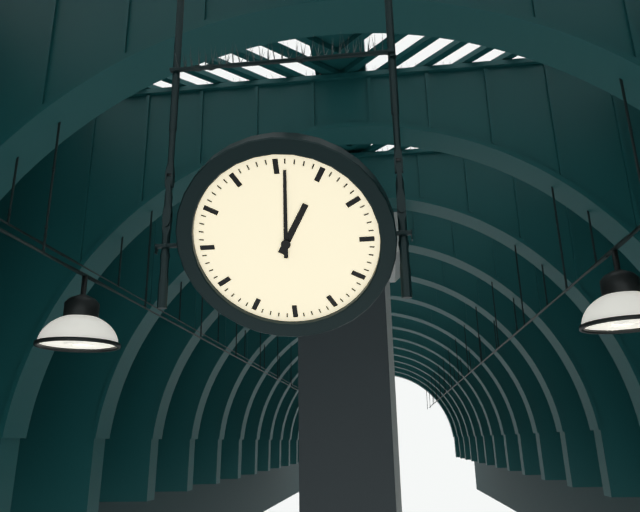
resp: 1h01
